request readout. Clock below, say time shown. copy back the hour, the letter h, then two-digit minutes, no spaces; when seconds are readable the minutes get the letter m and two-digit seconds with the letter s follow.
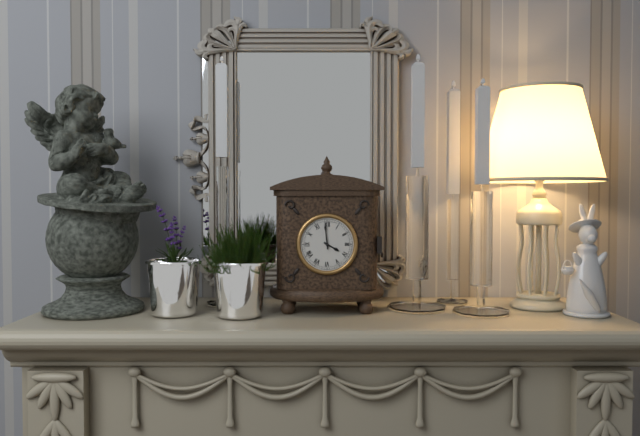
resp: 3h59
